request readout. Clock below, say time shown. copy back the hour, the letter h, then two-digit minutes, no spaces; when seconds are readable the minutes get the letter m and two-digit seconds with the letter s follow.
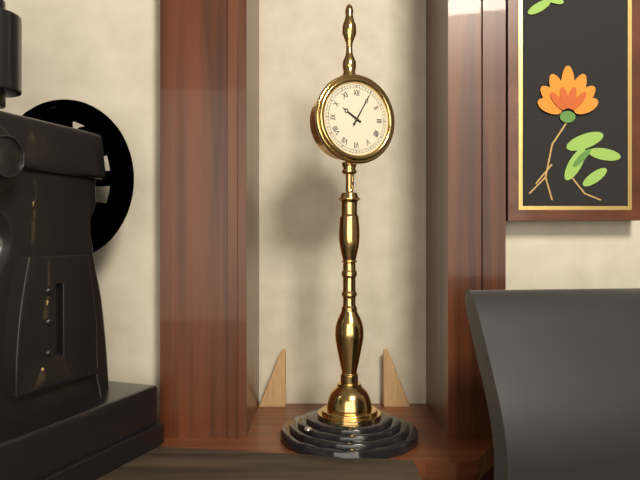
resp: 10h05
